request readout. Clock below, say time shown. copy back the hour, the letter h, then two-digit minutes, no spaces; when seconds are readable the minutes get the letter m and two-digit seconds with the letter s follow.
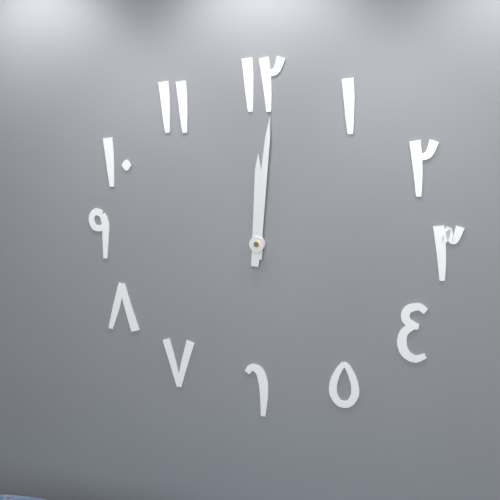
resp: 12h01
